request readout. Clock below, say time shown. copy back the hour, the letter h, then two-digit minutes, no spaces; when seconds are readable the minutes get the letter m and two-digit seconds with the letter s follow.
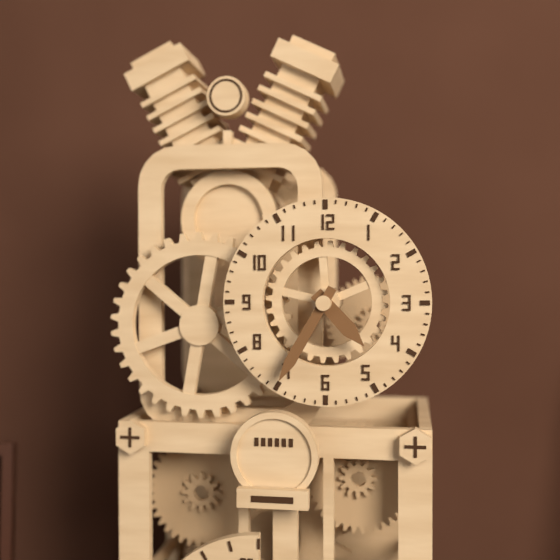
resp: 4h35
